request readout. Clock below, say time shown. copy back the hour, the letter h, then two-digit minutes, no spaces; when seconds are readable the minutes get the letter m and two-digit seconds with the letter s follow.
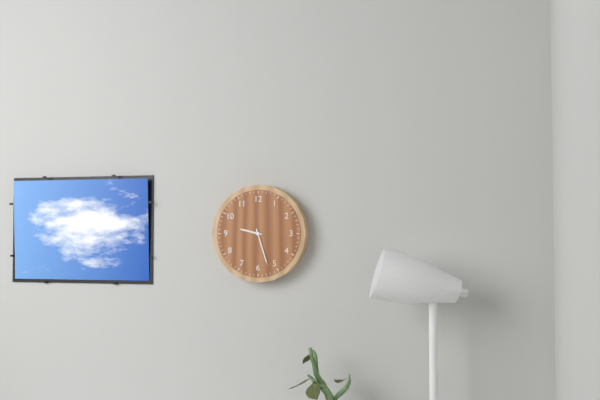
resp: 9h27
